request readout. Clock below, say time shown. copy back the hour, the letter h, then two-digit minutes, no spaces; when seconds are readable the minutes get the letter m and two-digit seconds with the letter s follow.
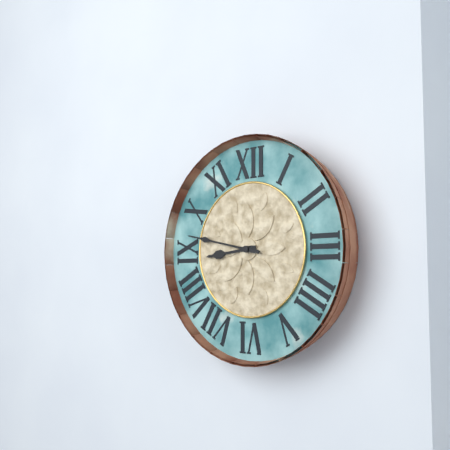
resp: 8h47
